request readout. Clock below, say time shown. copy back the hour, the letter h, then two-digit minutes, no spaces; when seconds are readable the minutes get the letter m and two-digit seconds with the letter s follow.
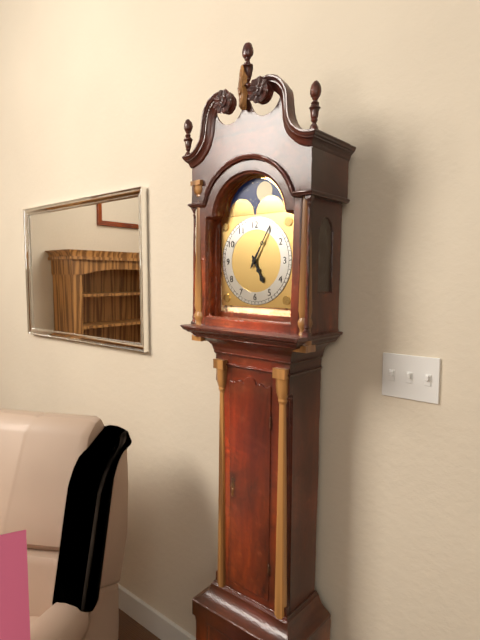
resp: 5h05
